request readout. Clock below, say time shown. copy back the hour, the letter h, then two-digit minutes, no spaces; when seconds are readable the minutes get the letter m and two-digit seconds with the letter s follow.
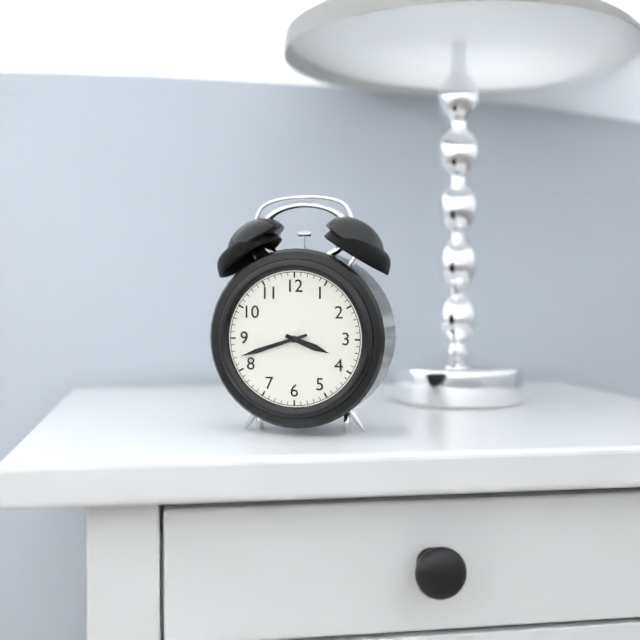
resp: 3h42
